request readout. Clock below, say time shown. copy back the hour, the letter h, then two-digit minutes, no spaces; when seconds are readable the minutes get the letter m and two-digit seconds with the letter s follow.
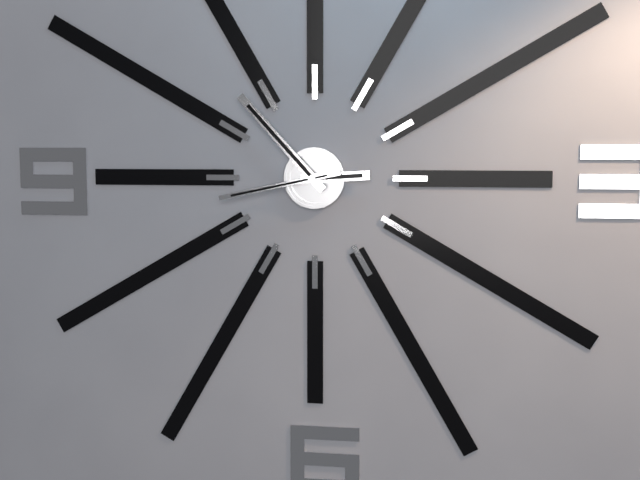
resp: 2h53m43s
